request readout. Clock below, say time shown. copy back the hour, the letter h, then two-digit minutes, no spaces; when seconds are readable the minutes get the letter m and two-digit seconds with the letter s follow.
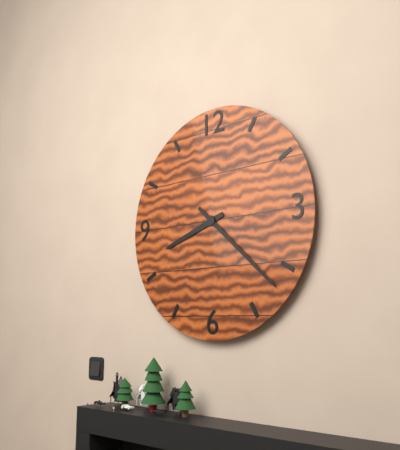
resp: 8h22
